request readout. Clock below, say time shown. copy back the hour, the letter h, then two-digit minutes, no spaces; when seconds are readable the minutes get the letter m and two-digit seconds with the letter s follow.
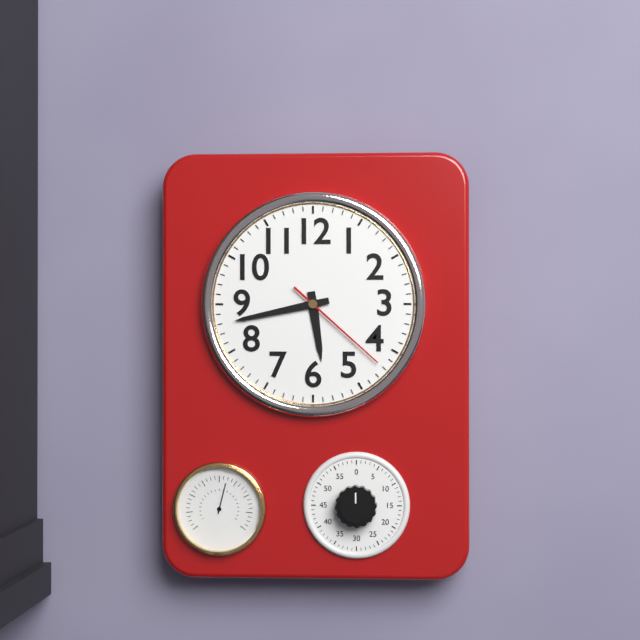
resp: 5h43m22s
